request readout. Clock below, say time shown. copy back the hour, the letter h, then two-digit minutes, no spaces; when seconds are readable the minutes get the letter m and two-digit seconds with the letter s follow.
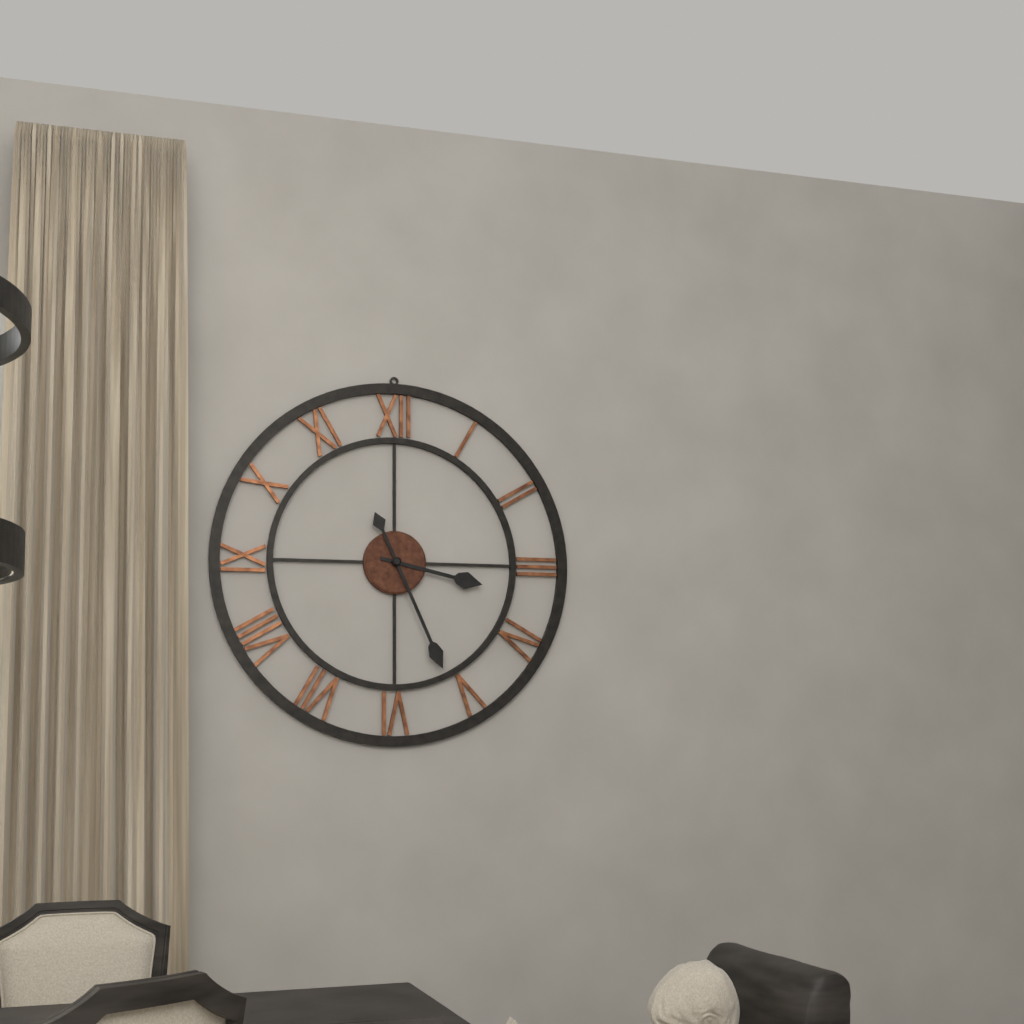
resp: 3h26
